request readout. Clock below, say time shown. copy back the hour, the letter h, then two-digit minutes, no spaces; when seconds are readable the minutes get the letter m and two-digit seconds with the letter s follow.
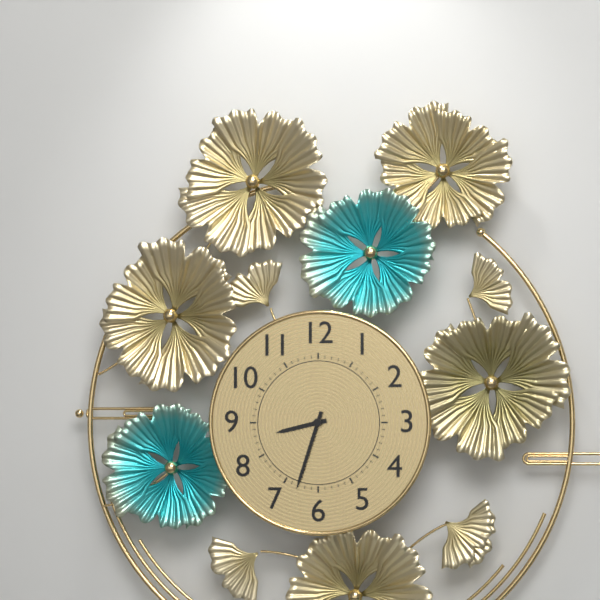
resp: 8h33
